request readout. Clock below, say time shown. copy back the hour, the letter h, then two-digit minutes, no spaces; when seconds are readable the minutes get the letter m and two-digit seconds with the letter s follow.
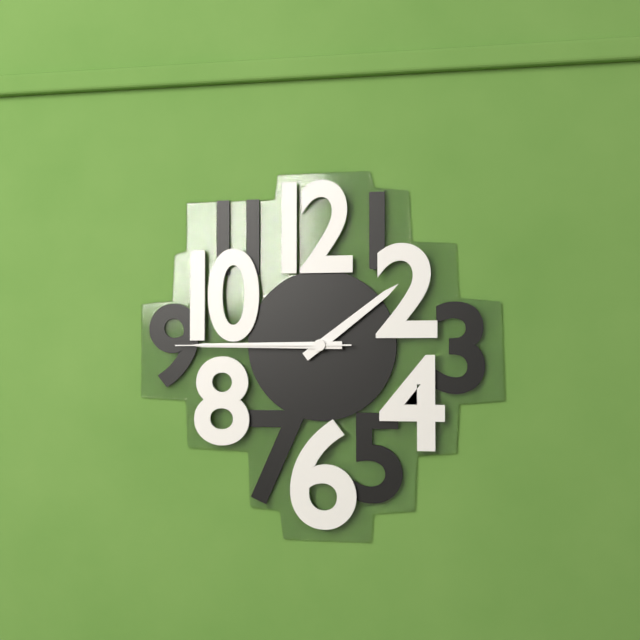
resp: 1h45m45s
